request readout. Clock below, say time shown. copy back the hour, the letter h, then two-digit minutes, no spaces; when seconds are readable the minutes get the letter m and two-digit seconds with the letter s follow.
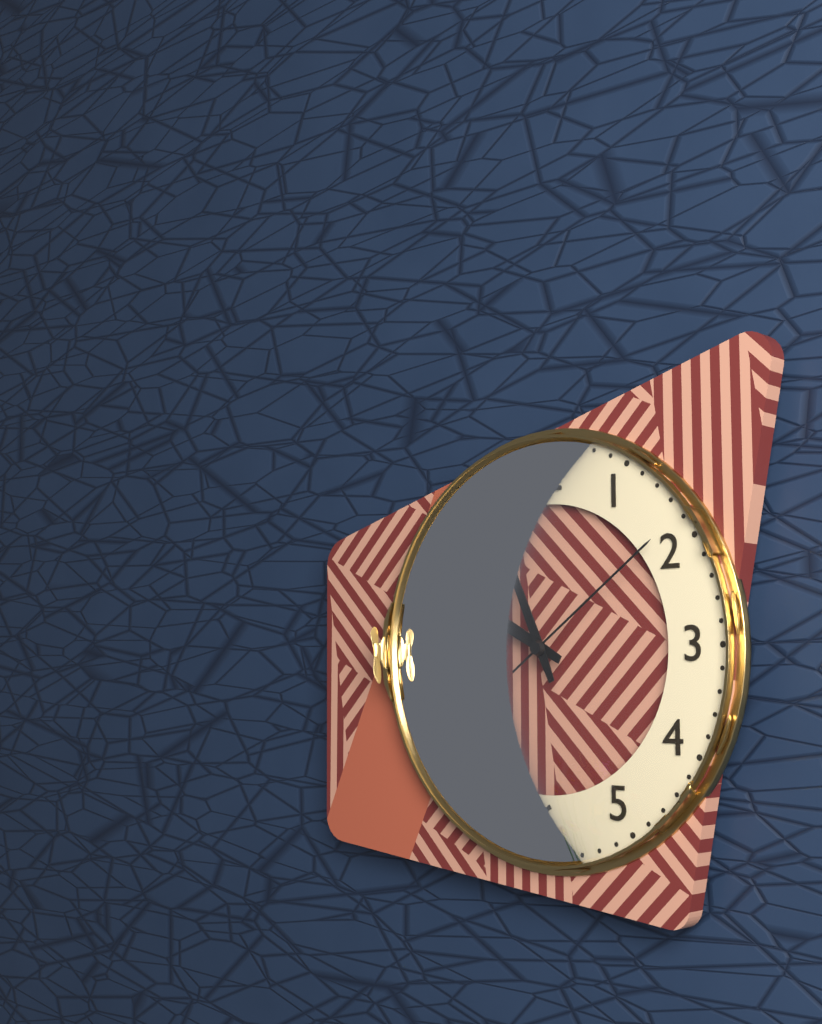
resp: 9h56m09s
